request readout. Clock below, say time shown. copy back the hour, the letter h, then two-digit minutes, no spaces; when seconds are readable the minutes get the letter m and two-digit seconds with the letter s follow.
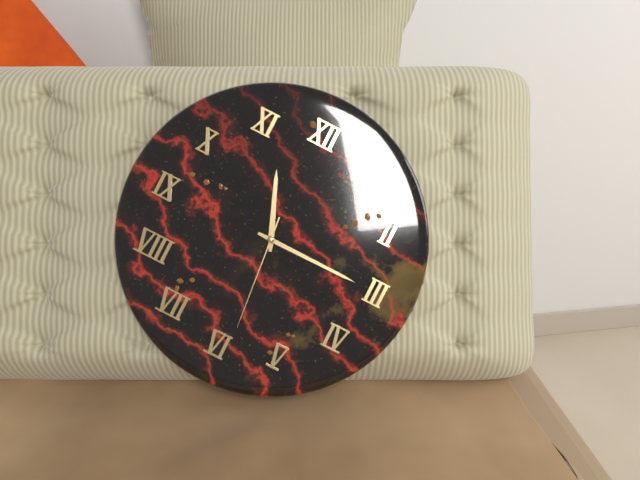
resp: 11h15m29s
